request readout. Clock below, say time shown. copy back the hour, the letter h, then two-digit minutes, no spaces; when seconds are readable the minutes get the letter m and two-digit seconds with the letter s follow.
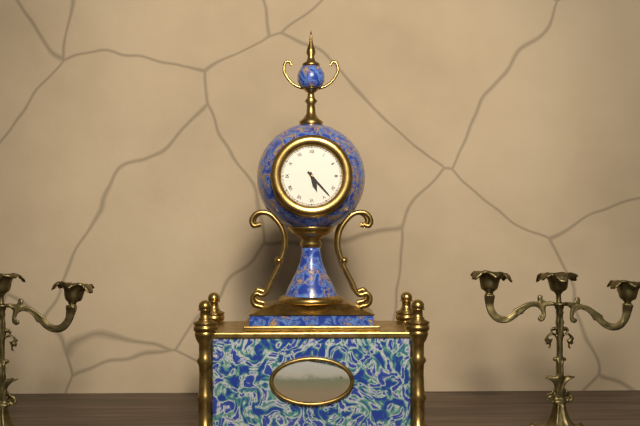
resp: 5h23
